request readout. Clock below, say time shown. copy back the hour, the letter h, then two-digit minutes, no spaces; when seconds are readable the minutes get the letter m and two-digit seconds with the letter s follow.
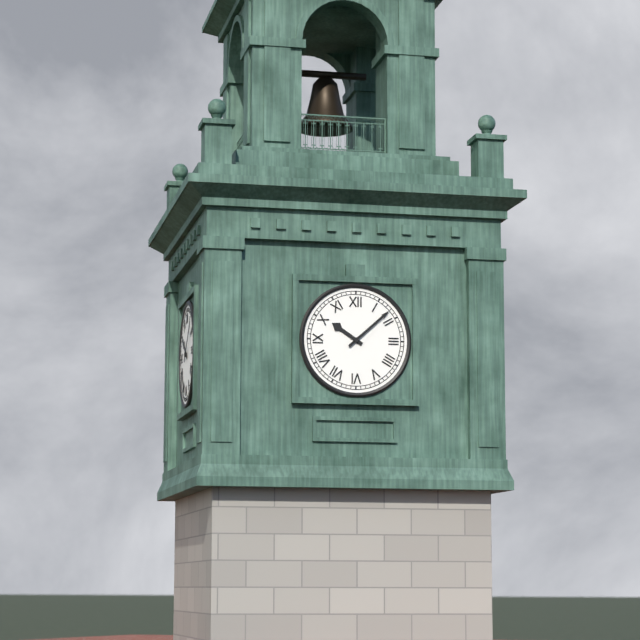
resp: 10h08
